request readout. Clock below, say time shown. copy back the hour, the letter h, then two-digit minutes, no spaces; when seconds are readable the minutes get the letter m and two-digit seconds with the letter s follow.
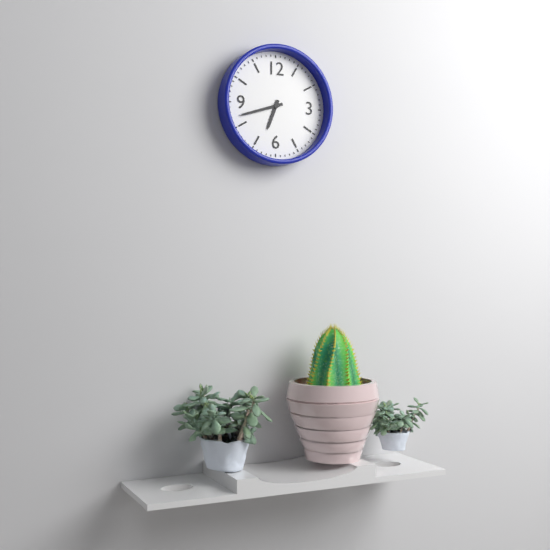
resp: 6h42
